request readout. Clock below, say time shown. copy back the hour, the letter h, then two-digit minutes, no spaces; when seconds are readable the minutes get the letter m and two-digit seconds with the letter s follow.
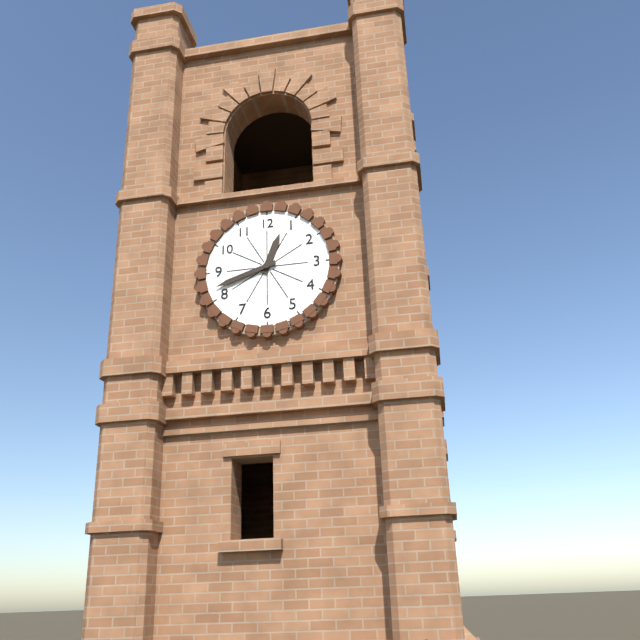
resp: 12h42
